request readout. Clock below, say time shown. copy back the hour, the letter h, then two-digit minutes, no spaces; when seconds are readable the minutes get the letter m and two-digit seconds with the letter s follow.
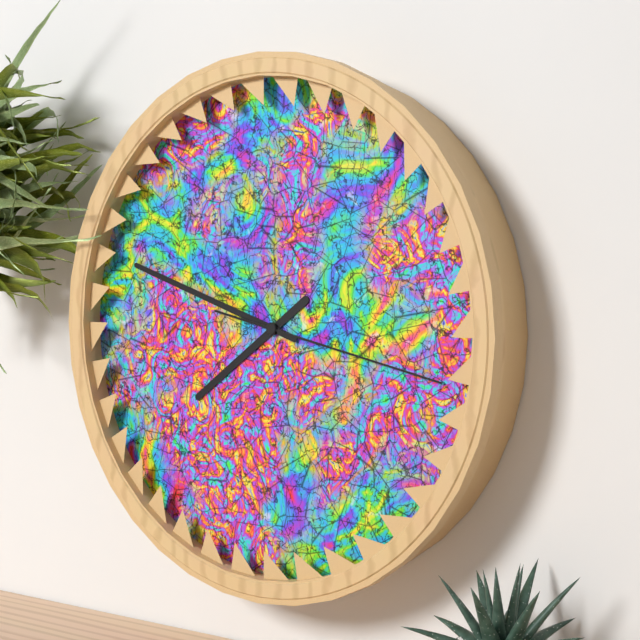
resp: 7h48m17s
